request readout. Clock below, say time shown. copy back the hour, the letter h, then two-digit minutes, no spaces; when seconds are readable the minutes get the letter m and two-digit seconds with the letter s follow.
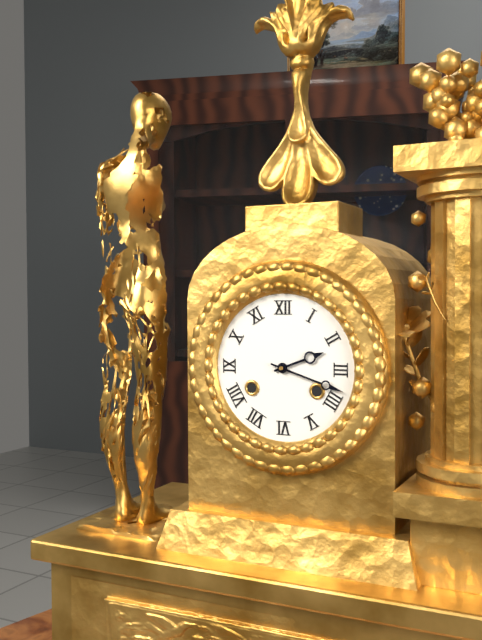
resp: 2h18
